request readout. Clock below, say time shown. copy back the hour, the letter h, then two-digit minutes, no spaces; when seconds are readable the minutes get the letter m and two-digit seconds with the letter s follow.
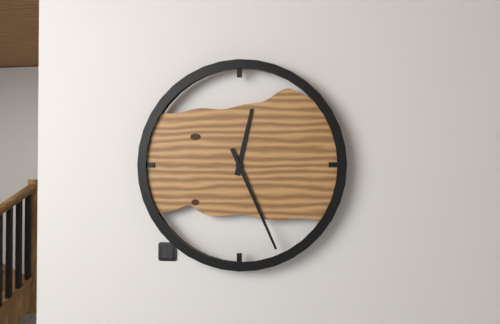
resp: 12h26
